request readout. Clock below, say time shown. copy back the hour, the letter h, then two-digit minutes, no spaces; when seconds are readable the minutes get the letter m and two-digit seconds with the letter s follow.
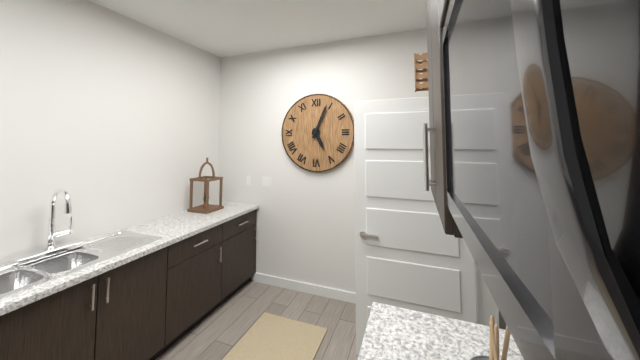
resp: 5h04
